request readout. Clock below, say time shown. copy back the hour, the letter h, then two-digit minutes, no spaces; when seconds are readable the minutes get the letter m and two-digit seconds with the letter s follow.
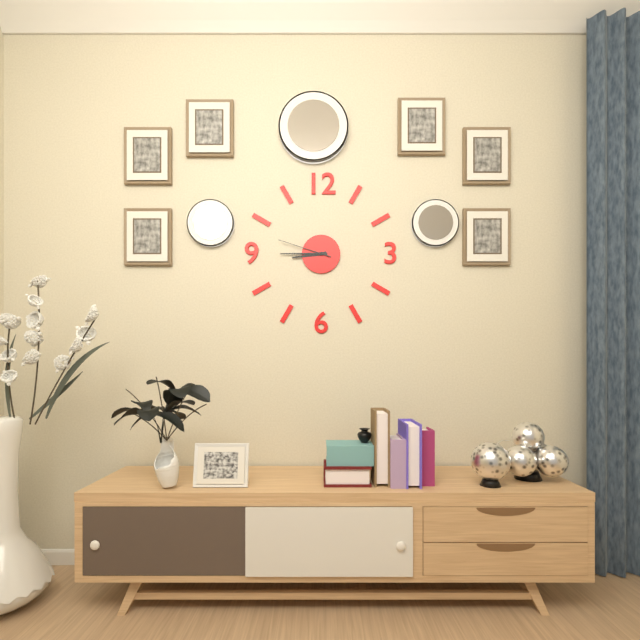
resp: 8h45m48s
